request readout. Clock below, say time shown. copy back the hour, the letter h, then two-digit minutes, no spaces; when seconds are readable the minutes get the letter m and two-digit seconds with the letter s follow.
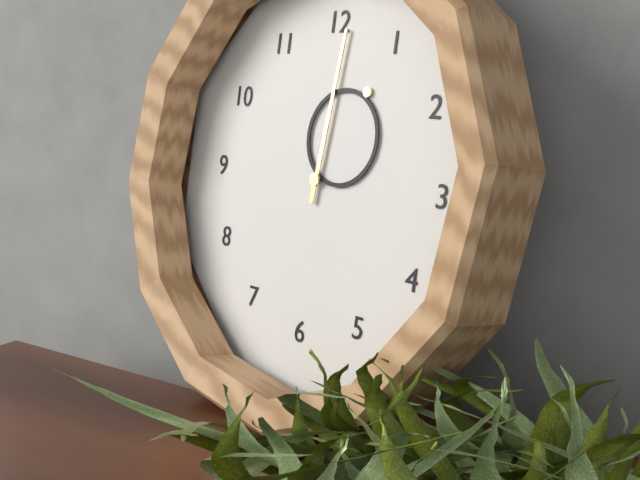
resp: 1h01
